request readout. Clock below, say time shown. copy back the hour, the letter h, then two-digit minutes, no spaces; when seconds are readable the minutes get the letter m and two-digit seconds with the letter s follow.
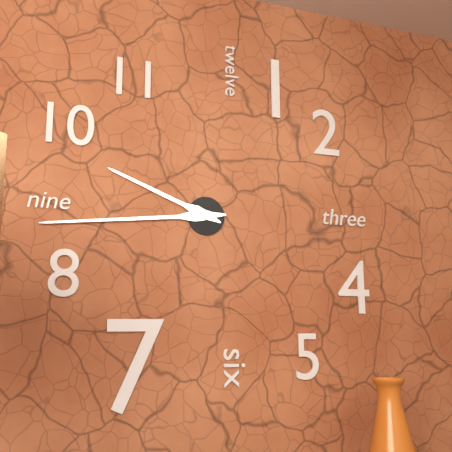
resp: 9h44
